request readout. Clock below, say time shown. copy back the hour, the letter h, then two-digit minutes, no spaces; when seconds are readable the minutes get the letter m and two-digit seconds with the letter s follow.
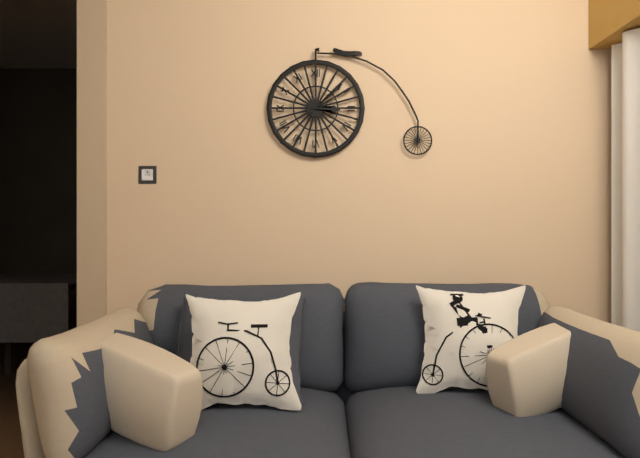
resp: 3h08
